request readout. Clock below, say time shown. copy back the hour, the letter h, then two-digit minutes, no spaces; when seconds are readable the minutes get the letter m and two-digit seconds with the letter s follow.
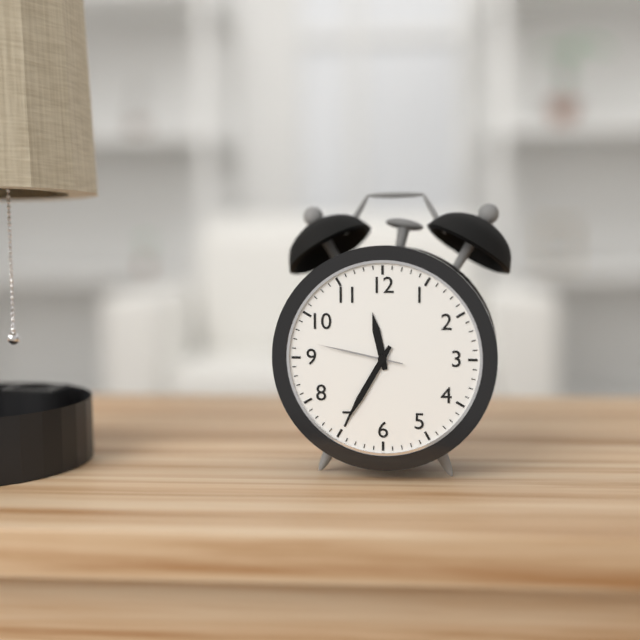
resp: 11h35m47s
